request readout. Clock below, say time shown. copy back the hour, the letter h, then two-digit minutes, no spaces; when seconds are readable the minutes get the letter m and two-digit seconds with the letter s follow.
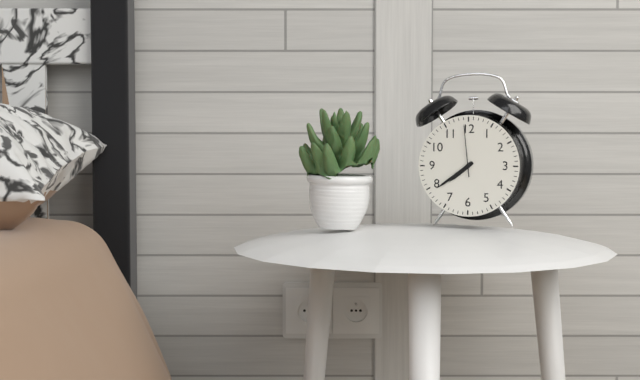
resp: 7h39m59s
